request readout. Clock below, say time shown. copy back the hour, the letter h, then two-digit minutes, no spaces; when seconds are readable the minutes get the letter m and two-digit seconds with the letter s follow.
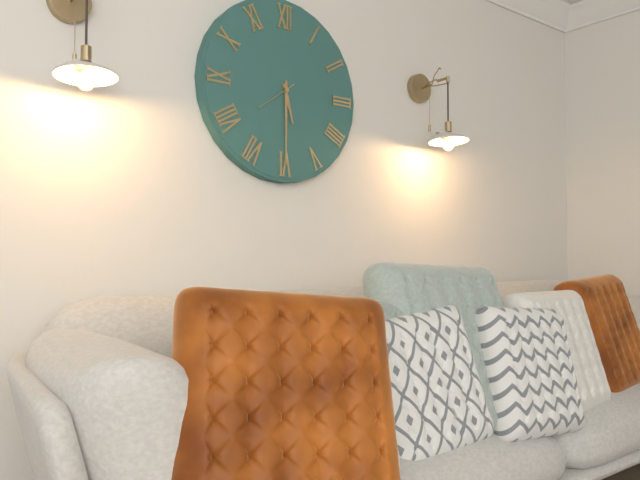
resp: 5h30
